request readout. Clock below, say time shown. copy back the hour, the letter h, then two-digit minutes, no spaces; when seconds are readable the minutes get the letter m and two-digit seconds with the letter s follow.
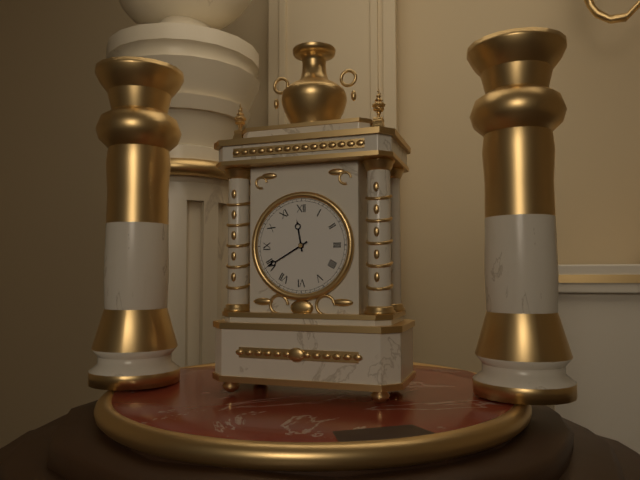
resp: 11h40
